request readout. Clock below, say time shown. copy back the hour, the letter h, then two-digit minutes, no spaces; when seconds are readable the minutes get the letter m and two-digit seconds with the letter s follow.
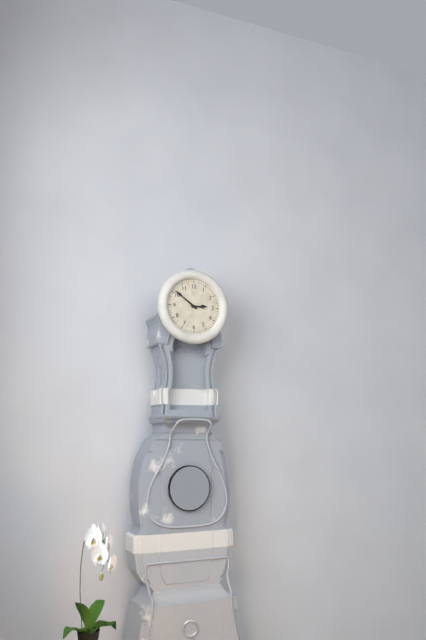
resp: 2h51
